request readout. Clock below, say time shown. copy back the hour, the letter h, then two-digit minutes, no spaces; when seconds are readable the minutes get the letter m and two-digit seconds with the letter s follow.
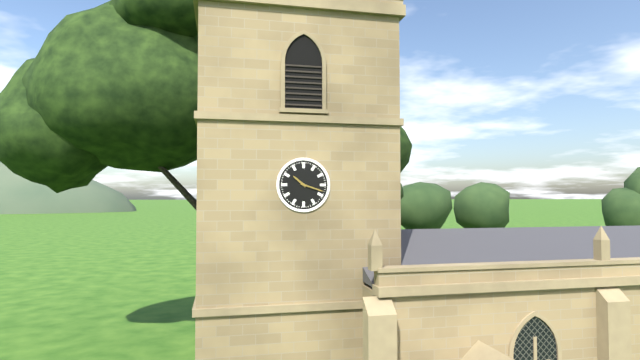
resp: 10h18
